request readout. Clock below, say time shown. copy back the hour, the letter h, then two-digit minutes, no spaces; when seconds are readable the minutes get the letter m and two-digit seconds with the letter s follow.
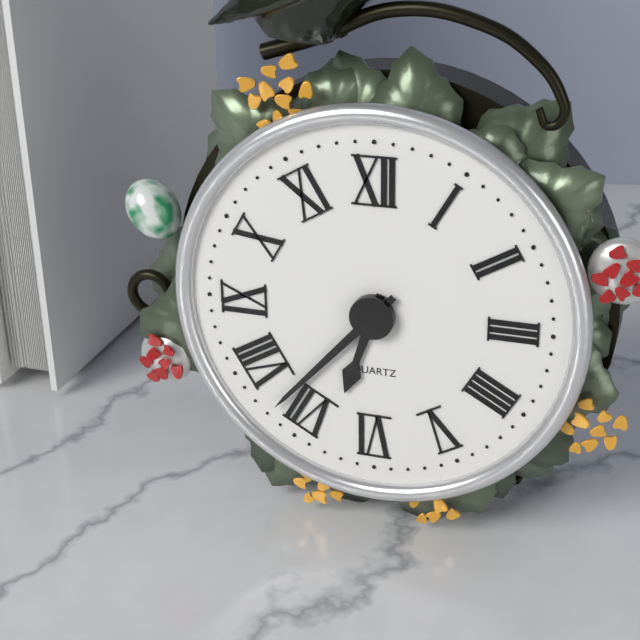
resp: 6h37
